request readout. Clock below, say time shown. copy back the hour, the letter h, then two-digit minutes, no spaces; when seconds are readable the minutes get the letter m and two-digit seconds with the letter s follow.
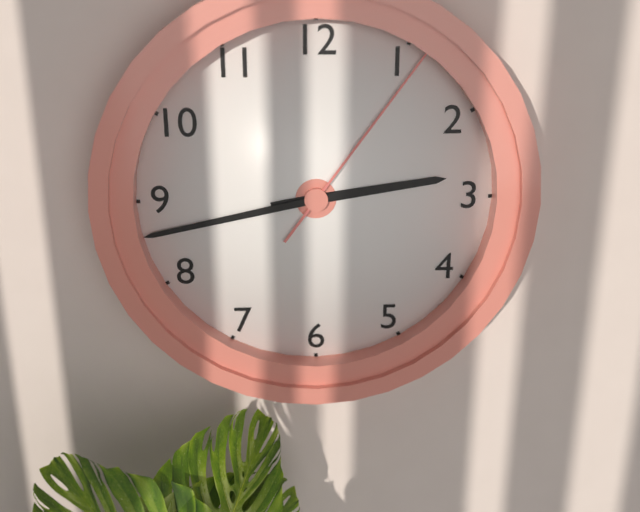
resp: 2h43m06s
